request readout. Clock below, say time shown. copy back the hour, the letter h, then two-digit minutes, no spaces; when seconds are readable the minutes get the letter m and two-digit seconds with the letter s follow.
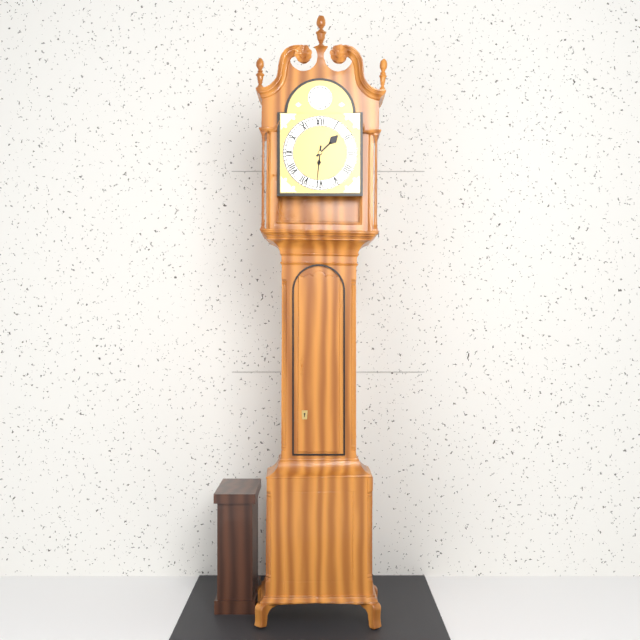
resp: 1h31
